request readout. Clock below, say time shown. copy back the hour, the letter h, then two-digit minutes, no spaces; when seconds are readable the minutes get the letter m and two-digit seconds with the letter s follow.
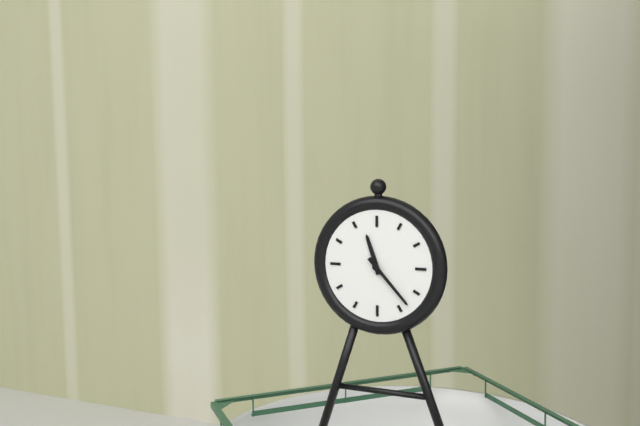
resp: 11h23
